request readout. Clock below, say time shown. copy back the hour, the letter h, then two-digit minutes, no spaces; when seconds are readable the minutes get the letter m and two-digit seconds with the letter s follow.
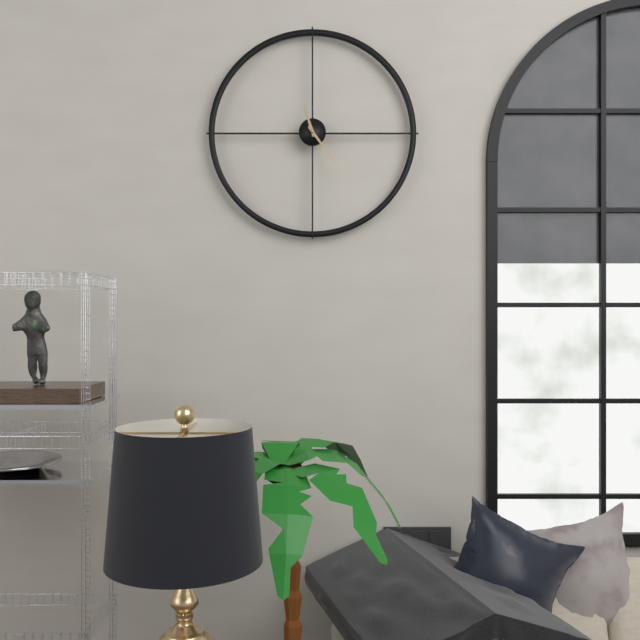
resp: 11h24
